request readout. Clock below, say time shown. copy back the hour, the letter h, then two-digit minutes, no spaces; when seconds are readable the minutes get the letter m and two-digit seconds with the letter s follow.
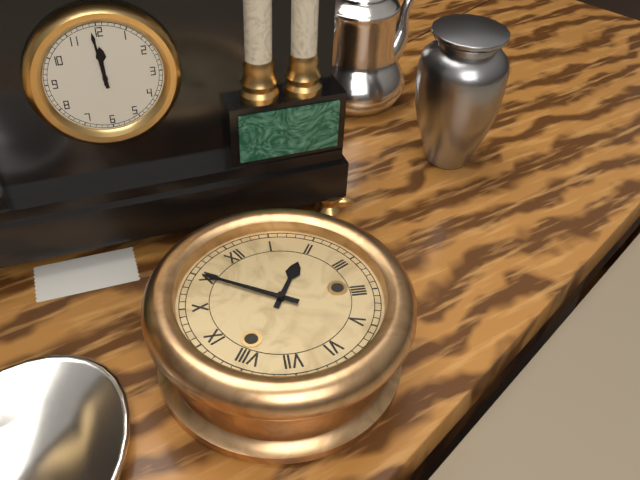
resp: 1h55
